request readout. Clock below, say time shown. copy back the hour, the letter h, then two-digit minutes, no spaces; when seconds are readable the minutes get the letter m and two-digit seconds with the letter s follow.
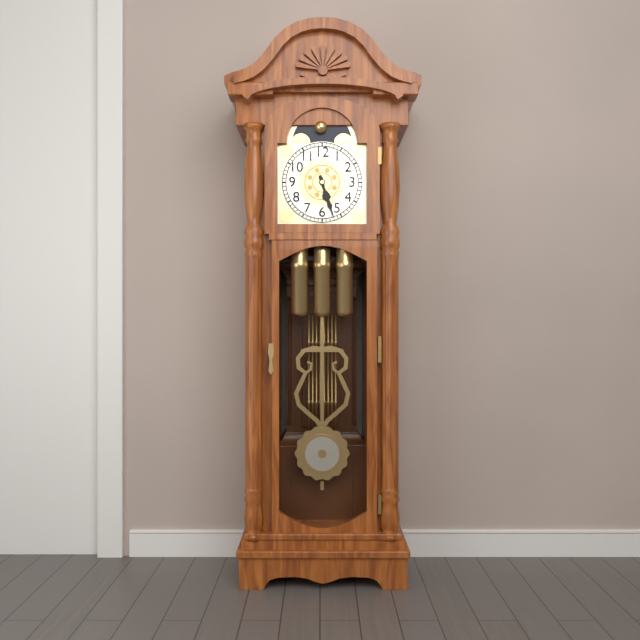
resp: 5h27
